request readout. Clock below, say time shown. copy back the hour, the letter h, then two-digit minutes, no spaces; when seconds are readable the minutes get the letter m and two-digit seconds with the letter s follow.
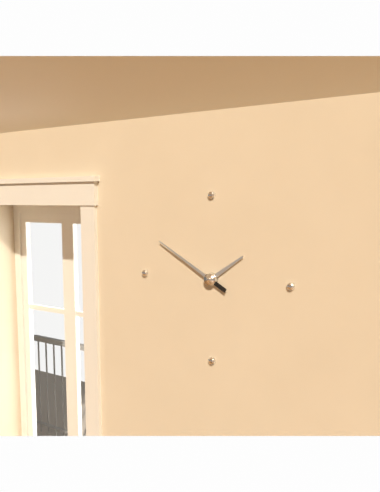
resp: 1h50
